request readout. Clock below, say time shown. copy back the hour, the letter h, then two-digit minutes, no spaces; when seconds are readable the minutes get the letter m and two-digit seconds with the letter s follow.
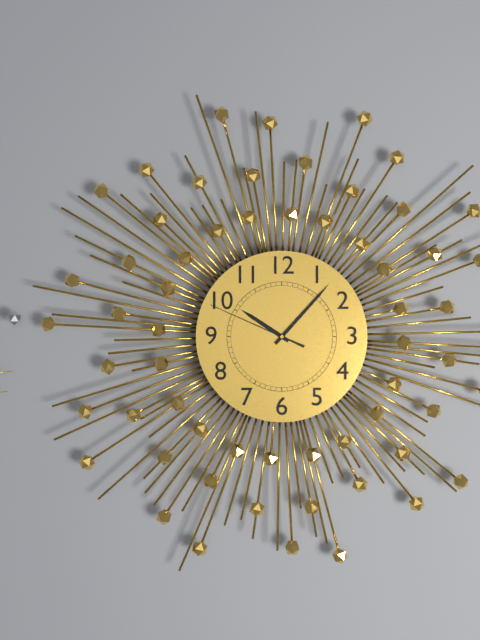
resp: 10h07m49s
